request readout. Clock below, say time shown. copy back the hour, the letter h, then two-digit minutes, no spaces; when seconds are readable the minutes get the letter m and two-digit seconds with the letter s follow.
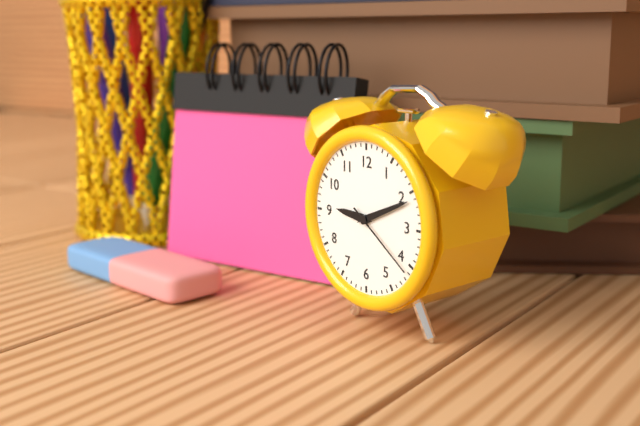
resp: 9h11m21s
